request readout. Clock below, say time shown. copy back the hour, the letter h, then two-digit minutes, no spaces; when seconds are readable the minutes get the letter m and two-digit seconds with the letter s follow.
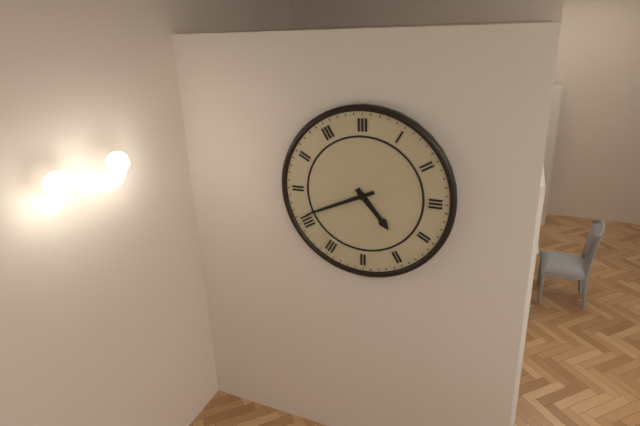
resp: 4h41
